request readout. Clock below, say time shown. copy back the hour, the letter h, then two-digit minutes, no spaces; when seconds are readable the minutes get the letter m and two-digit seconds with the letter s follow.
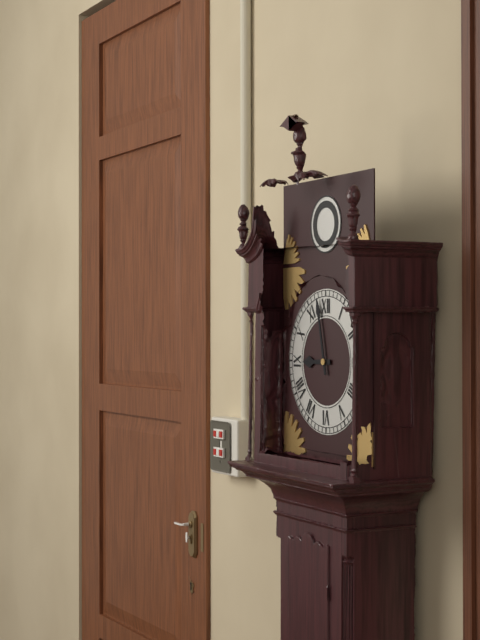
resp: 8h58
